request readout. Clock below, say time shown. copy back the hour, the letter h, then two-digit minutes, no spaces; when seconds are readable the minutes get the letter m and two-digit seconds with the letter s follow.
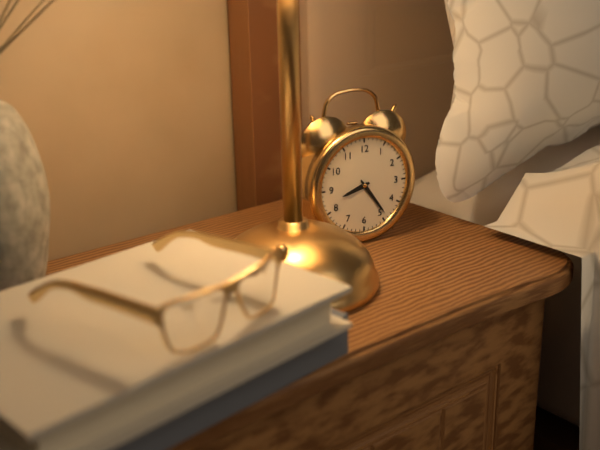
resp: 8h24
